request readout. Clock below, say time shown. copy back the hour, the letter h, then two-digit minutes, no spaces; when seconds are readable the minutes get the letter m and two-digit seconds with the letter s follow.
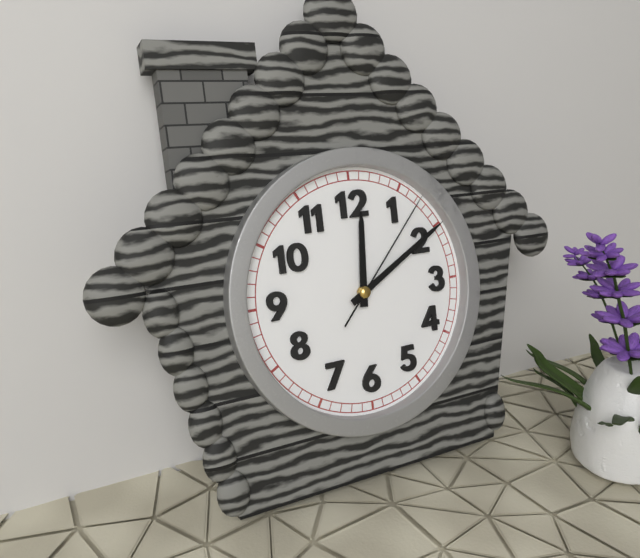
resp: 12h10m07s
